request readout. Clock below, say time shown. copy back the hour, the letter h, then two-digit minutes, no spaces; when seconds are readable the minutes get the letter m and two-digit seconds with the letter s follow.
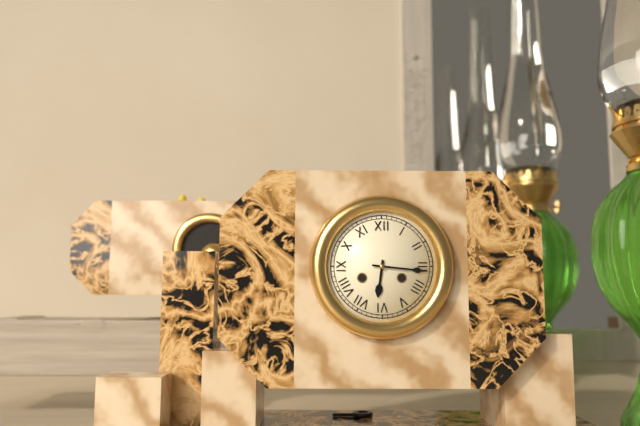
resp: 6h16
